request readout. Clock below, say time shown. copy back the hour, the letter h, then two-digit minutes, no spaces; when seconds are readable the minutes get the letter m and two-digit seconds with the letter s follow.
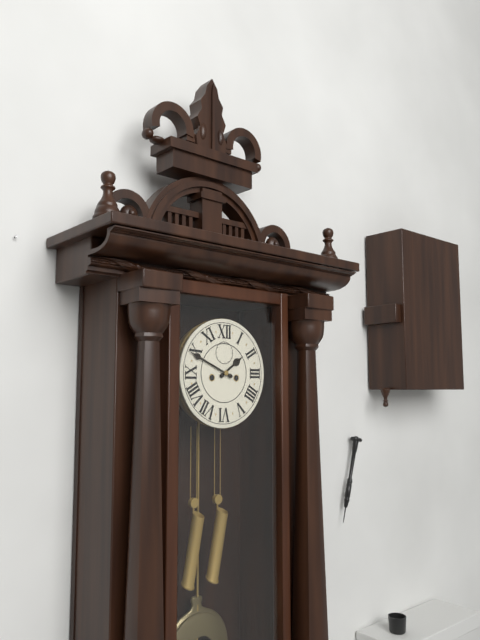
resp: 1h49
